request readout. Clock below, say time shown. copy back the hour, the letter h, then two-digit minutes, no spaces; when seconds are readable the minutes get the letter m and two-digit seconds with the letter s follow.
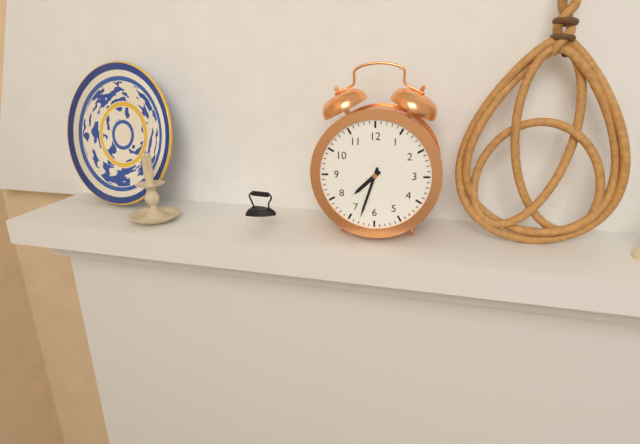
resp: 7h33
